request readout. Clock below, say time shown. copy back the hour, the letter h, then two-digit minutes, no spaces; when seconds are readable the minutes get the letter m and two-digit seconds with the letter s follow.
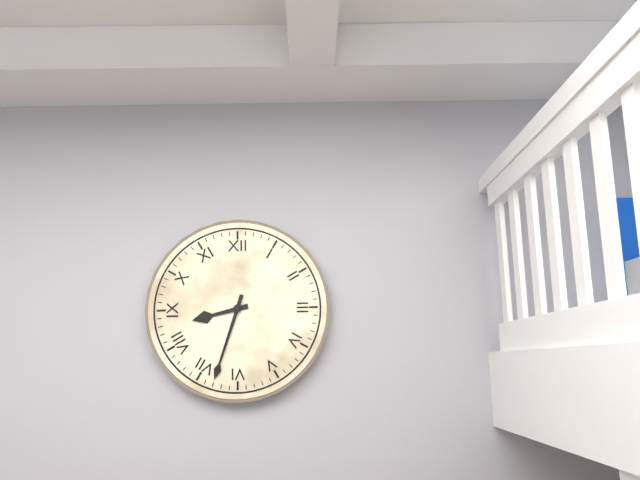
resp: 8h33
